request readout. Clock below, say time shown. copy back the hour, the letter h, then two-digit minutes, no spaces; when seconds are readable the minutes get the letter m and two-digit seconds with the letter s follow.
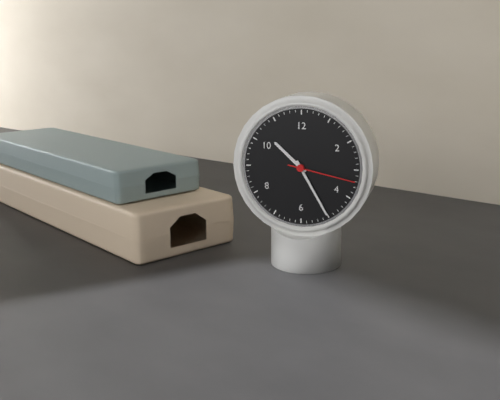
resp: 10h25m17s
